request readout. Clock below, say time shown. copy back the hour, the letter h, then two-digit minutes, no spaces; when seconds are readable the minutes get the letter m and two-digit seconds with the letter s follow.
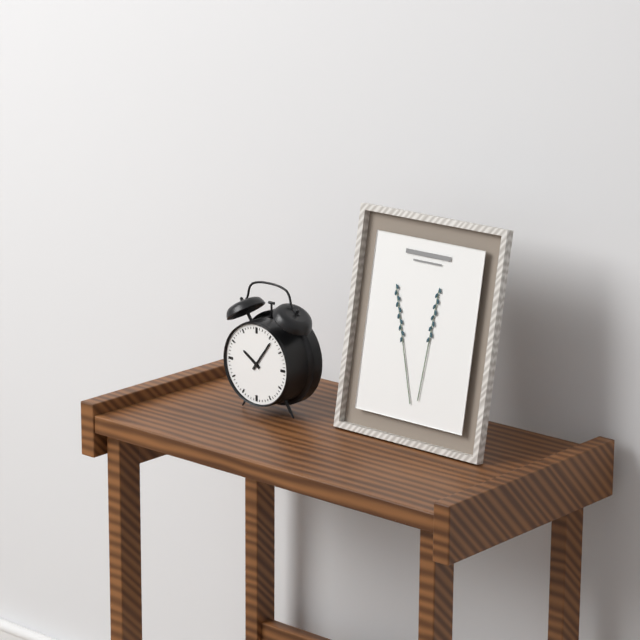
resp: 10h06
